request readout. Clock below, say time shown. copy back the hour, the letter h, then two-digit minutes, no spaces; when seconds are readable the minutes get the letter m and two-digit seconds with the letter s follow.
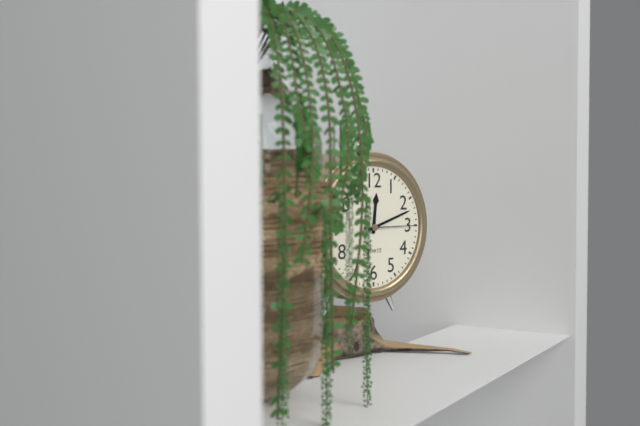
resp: 12h12m15s
